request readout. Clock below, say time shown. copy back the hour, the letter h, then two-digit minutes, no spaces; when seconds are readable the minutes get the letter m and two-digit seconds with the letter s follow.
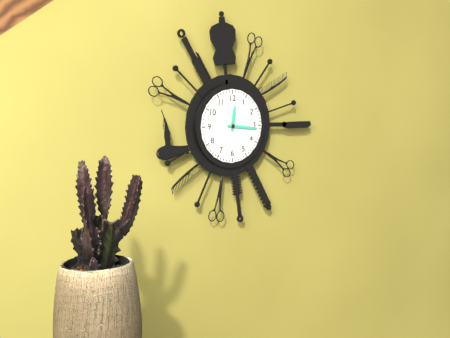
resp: 12h16
